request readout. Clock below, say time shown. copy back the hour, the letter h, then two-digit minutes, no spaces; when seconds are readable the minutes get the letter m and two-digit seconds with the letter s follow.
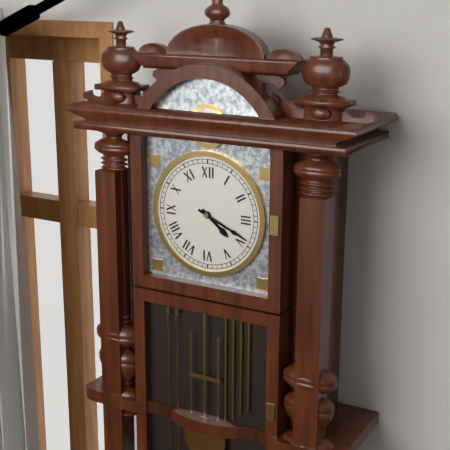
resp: 4h19
